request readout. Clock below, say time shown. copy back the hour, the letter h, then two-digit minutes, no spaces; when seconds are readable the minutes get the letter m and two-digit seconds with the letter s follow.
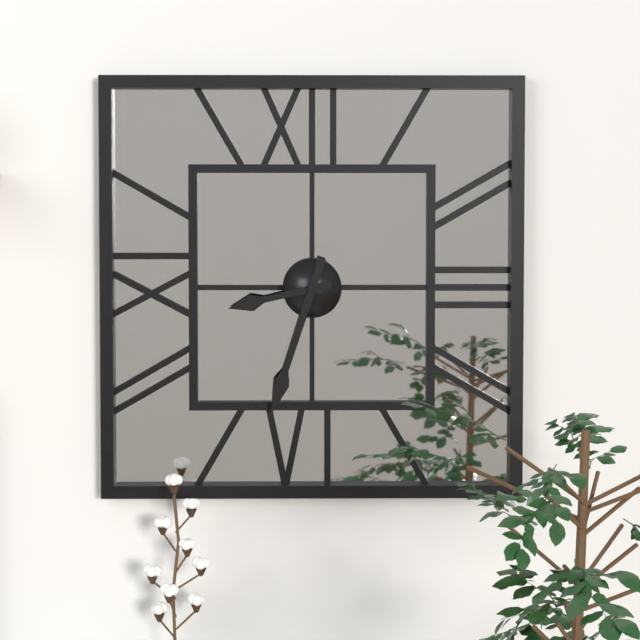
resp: 8h33
